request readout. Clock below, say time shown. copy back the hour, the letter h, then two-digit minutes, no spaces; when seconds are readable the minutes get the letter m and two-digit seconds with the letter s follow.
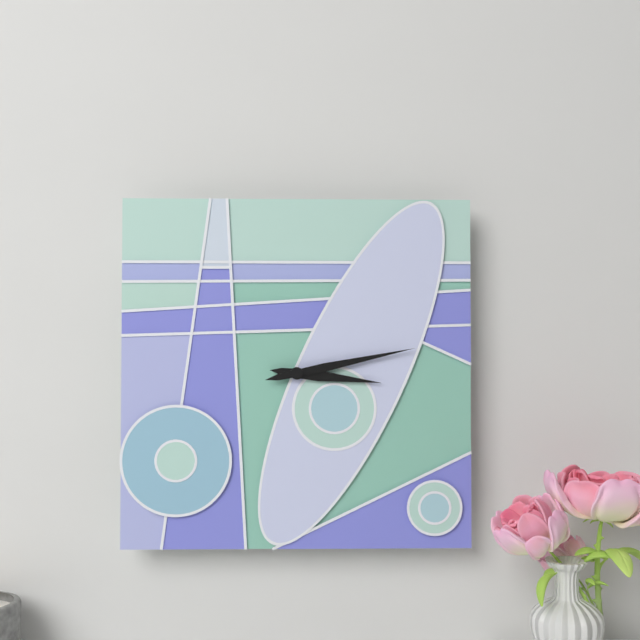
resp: 3h13
